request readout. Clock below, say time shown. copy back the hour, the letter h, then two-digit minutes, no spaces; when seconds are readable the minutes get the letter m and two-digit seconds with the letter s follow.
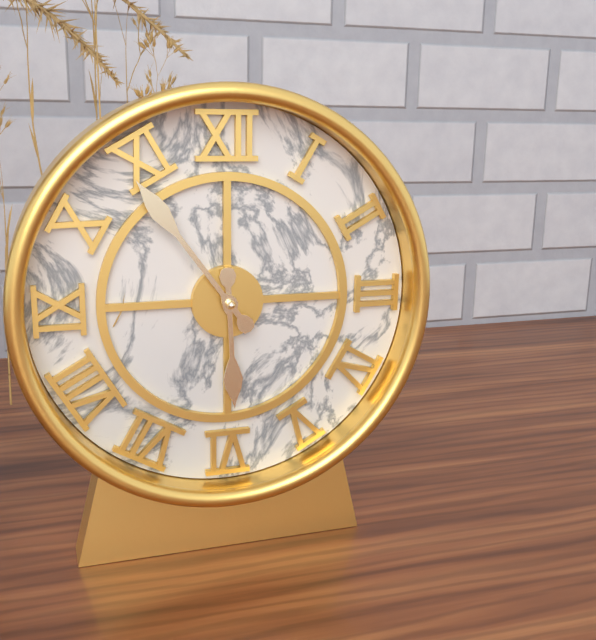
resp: 5h54
